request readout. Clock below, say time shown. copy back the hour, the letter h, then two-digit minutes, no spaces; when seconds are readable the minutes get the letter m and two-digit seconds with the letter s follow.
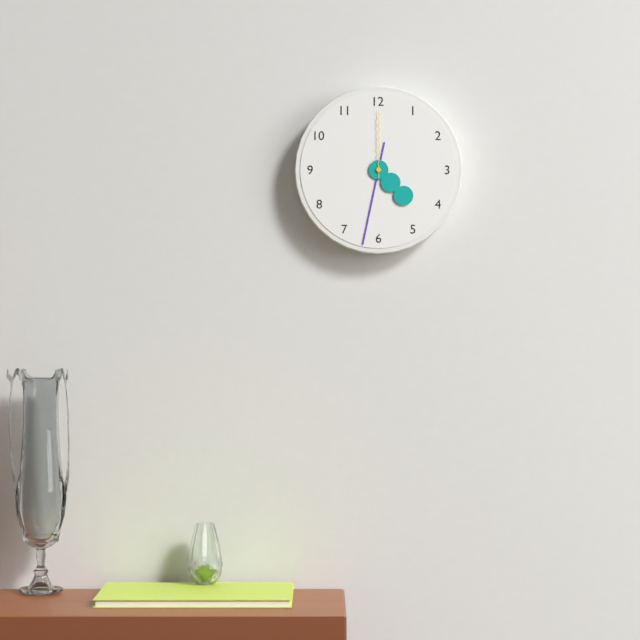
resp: 4h32m00s
